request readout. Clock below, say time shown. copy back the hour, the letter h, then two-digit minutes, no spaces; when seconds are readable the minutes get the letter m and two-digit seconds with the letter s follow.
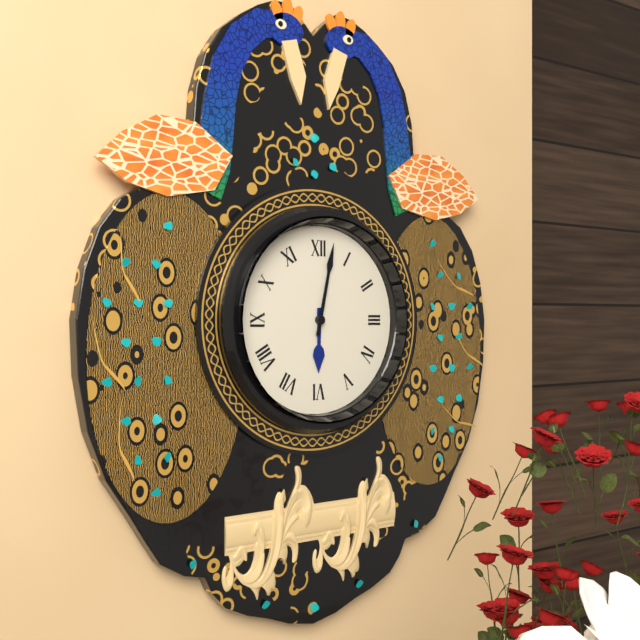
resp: 6h02
